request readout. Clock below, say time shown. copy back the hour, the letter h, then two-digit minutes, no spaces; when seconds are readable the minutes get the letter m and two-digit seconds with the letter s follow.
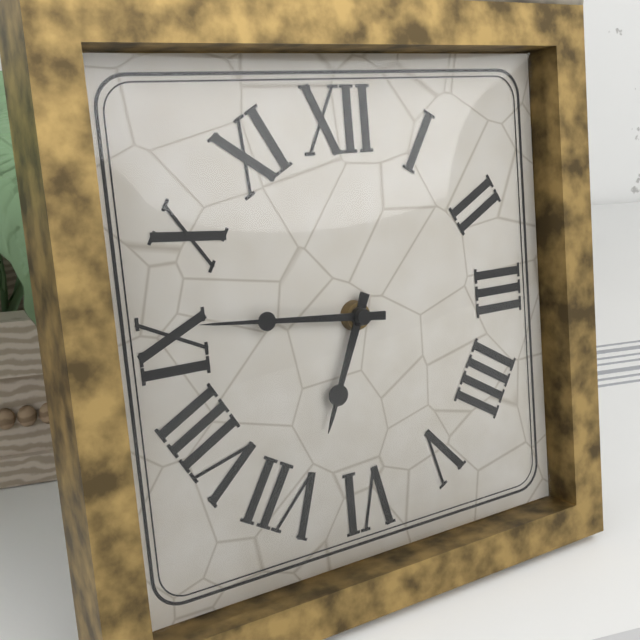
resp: 6h46
